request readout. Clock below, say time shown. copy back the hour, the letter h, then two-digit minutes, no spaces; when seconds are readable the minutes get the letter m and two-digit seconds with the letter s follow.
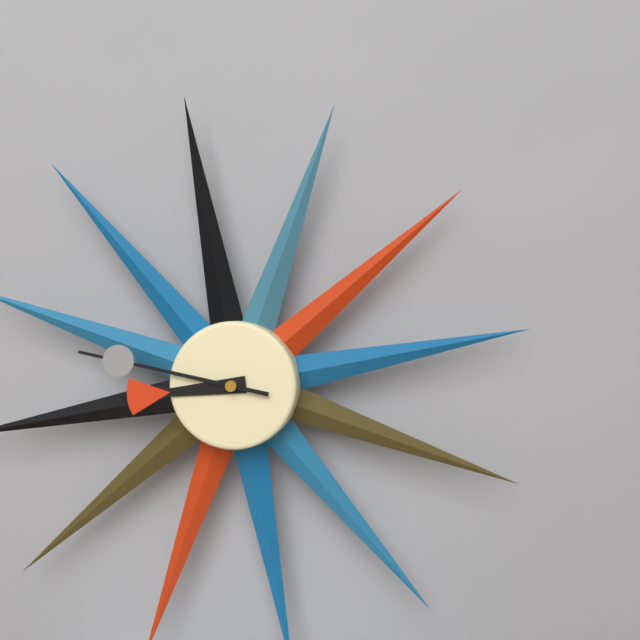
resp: 8h47
